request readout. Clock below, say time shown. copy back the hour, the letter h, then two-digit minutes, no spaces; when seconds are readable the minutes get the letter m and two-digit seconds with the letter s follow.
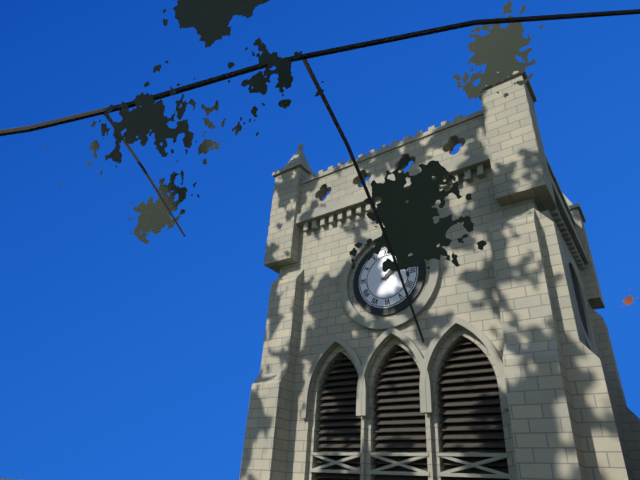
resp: 1h11
